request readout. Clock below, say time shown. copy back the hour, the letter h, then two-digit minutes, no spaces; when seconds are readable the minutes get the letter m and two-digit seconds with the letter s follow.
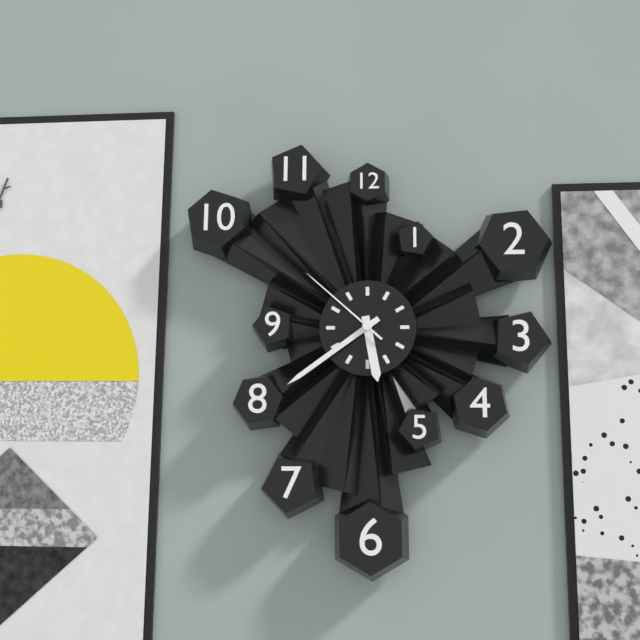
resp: 5h39m52s
